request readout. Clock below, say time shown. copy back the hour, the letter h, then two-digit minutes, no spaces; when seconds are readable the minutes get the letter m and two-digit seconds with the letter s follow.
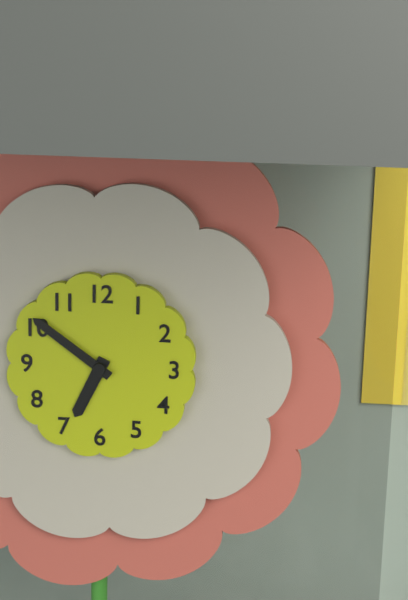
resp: 6h51
